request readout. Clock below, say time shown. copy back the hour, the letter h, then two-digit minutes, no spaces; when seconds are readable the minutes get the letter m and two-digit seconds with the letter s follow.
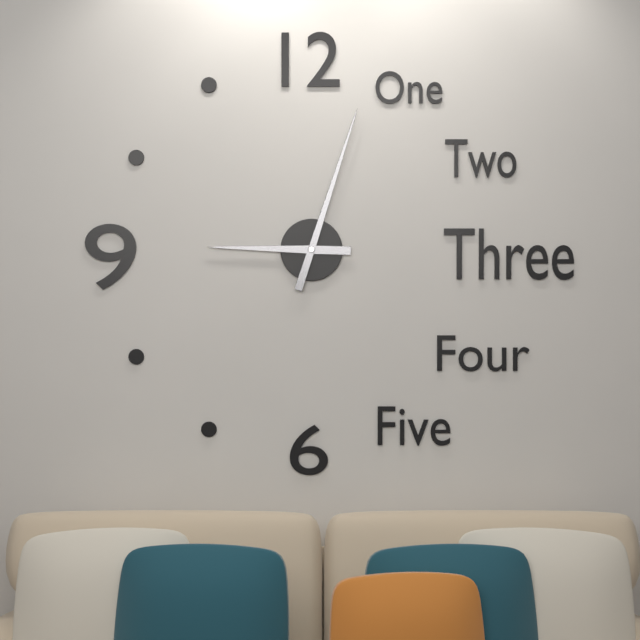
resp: 9h03
